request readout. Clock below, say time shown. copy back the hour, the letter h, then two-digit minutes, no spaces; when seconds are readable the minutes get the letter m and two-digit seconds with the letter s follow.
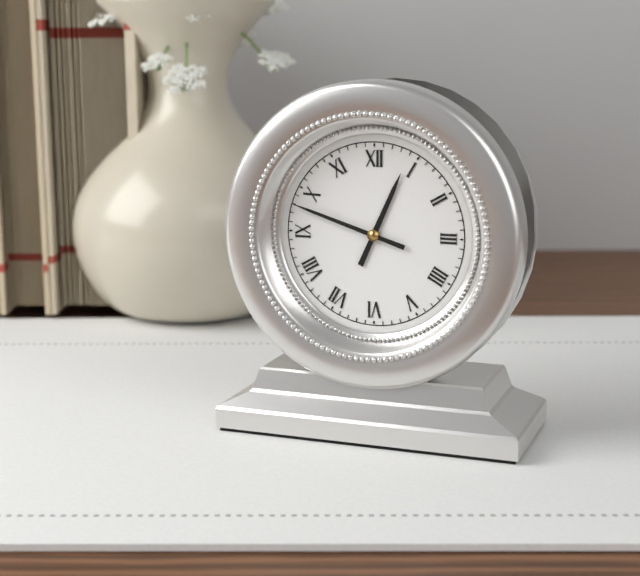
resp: 12h48
